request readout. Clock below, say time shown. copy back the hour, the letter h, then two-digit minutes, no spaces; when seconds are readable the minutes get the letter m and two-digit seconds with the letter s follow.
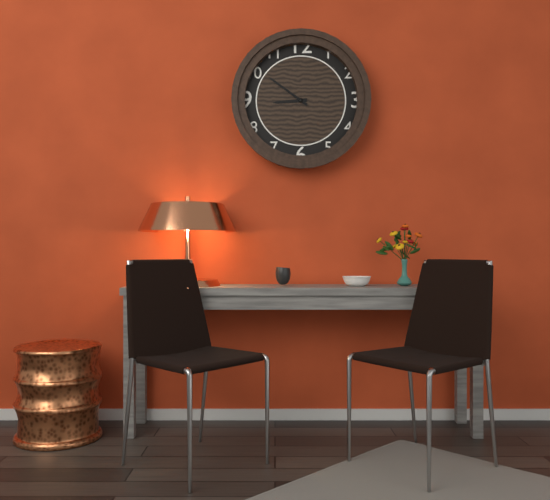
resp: 8h51
